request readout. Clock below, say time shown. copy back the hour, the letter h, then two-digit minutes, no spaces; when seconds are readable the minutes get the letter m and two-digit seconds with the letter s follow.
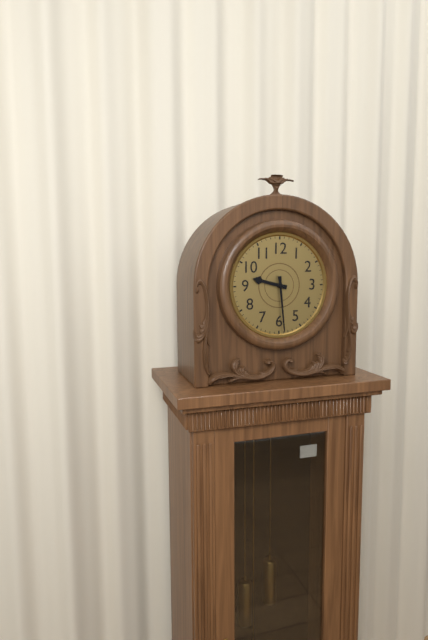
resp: 9h29
